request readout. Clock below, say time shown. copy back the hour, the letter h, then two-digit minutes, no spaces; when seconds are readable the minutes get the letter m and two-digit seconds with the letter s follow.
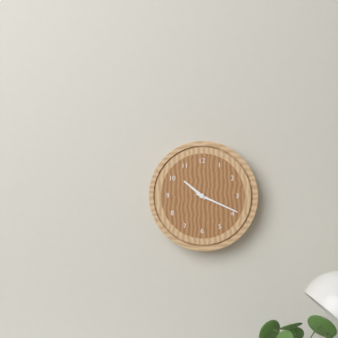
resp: 10h19
